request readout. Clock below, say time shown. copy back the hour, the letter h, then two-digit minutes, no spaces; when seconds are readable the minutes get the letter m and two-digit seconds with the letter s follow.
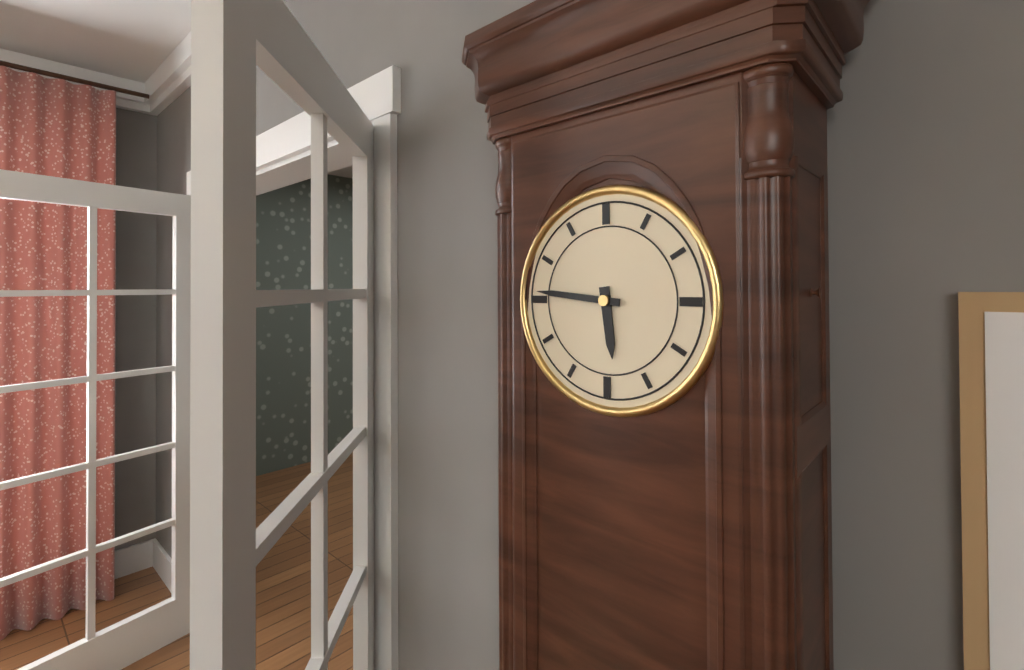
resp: 5h46
